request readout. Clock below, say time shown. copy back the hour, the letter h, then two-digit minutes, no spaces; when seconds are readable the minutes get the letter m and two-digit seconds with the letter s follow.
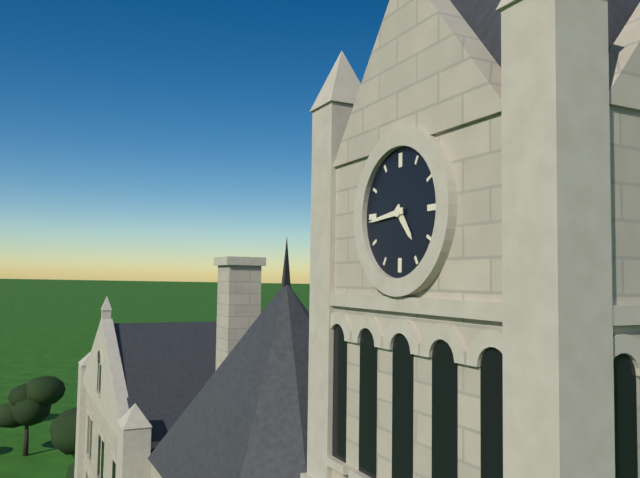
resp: 4h44
